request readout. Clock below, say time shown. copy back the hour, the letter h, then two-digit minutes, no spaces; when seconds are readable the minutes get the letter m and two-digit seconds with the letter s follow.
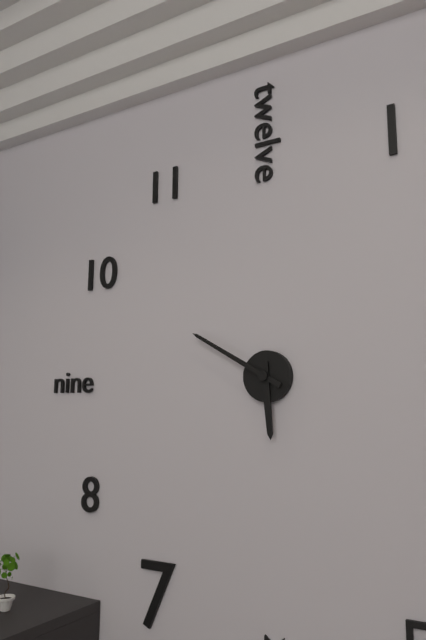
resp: 5h50
